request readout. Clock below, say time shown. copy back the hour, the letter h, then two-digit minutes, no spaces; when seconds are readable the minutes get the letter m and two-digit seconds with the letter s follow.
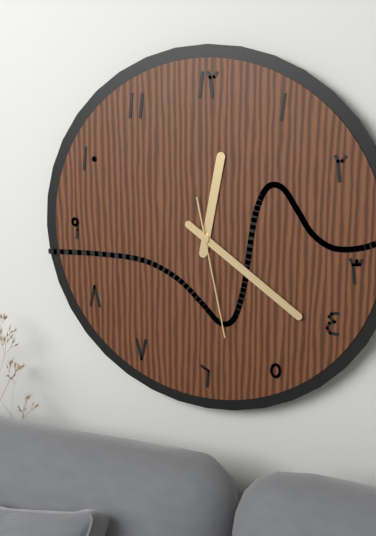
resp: 12h21m28s
